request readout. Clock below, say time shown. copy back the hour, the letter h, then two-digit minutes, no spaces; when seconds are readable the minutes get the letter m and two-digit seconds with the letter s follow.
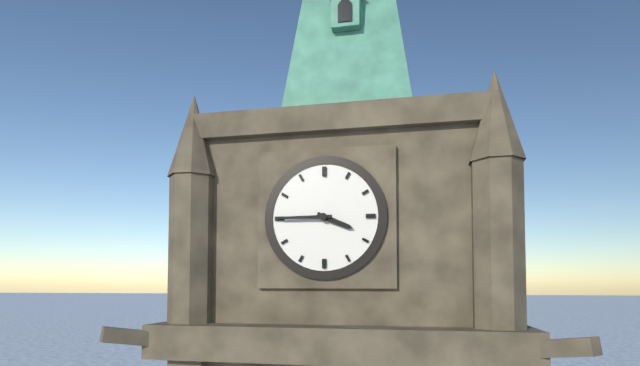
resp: 3h45
